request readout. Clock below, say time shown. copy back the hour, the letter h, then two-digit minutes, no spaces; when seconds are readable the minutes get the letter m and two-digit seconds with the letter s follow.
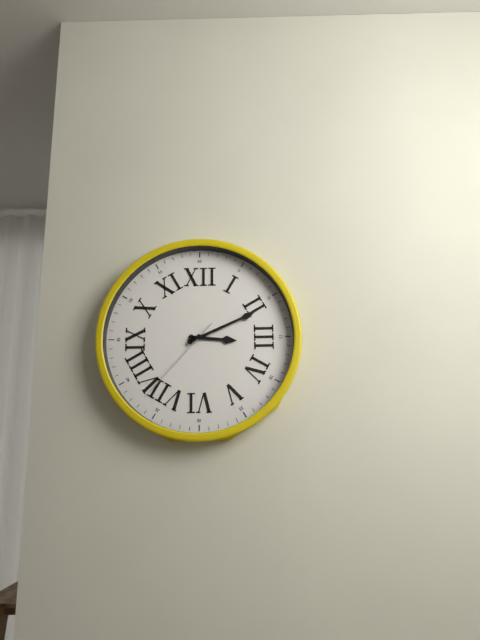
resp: 3h11m37s
